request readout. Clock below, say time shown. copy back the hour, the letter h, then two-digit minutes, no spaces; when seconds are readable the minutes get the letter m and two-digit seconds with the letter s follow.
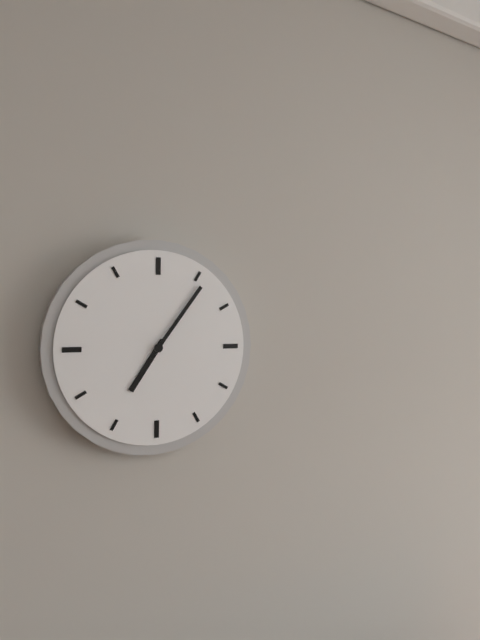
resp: 7h06
